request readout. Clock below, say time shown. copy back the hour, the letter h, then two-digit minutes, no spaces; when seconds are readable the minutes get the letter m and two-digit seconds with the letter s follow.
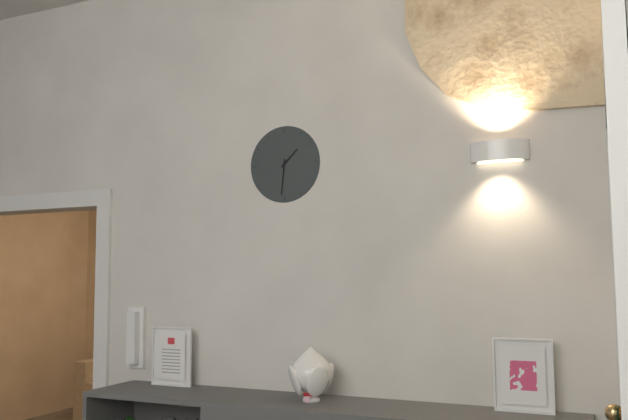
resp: 1h31
